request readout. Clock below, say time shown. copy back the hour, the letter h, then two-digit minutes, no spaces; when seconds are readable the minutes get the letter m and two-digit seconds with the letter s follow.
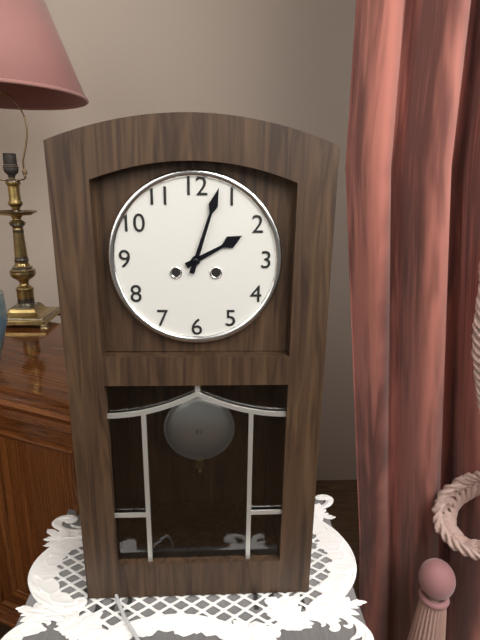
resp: 2h03
